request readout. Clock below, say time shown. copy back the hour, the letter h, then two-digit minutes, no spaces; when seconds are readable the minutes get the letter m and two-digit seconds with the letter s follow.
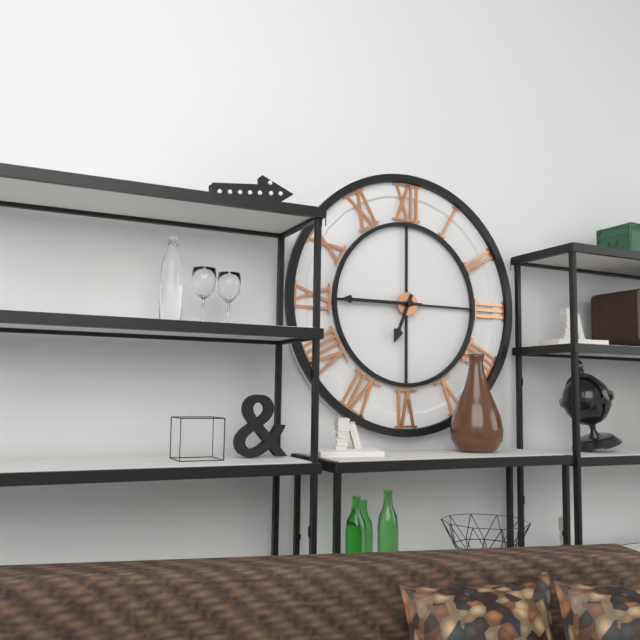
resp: 6h45
